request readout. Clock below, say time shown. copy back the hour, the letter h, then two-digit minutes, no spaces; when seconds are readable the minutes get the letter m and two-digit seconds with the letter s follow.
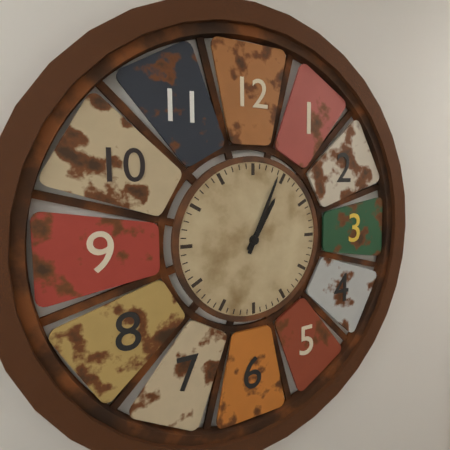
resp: 1h04
